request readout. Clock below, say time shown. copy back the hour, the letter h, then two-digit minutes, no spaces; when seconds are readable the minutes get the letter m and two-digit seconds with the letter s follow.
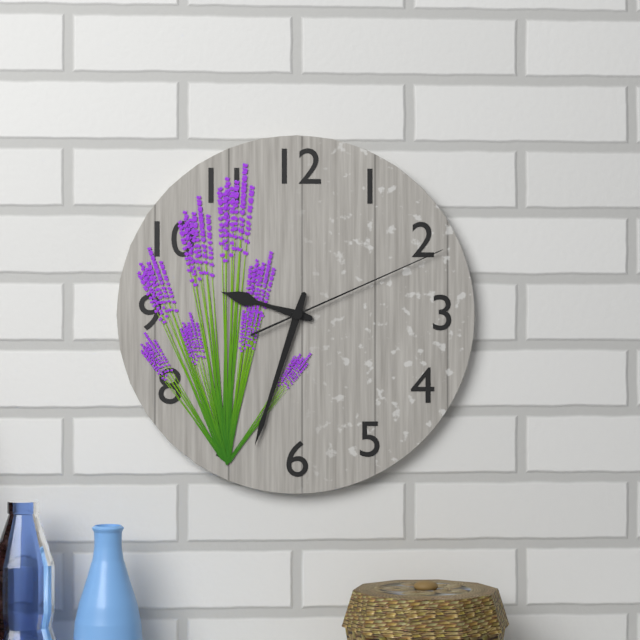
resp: 9h33m11s
